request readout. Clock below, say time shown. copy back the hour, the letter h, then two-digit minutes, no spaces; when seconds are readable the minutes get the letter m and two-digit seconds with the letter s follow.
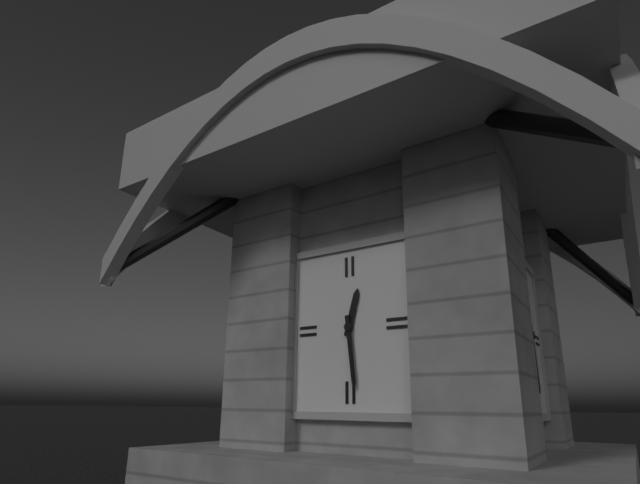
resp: 12h29
